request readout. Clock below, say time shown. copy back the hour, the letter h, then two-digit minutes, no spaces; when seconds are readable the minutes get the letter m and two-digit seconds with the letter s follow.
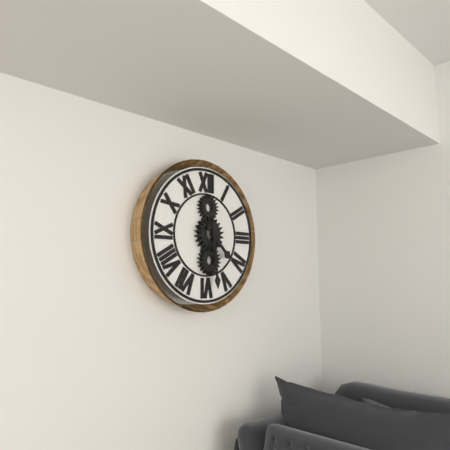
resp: 4h29
